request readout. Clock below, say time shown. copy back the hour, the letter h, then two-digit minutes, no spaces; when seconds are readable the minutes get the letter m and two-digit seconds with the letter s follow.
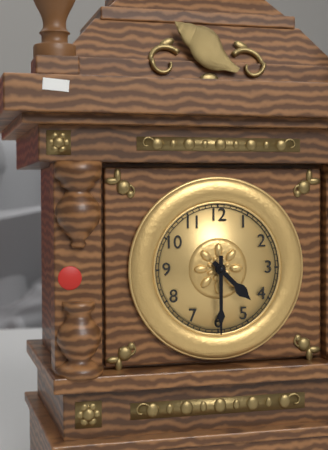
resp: 4h30
